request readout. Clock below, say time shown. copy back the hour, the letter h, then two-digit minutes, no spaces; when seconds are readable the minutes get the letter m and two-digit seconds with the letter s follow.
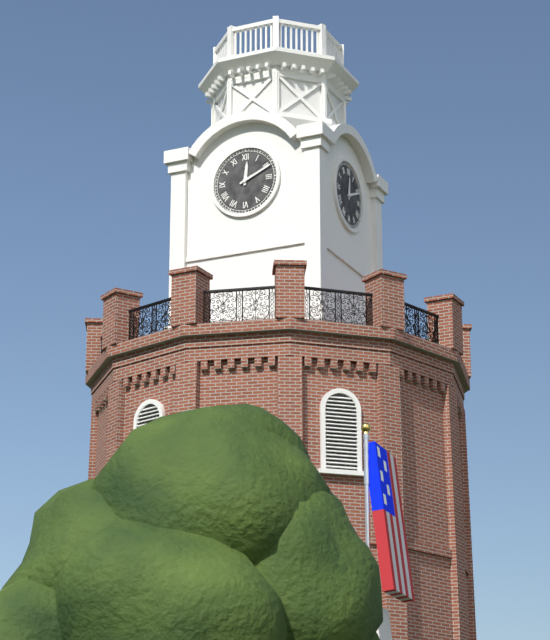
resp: 12h11
